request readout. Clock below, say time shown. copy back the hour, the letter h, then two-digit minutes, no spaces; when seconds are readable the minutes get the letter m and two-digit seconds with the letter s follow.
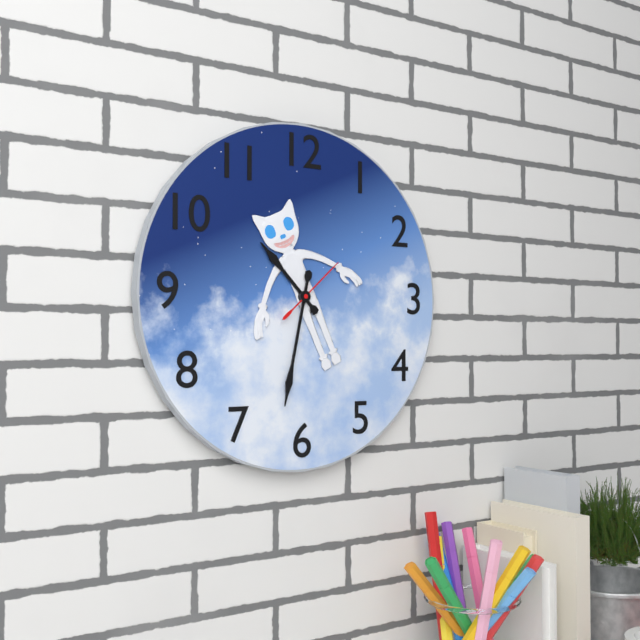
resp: 10h32m08s
